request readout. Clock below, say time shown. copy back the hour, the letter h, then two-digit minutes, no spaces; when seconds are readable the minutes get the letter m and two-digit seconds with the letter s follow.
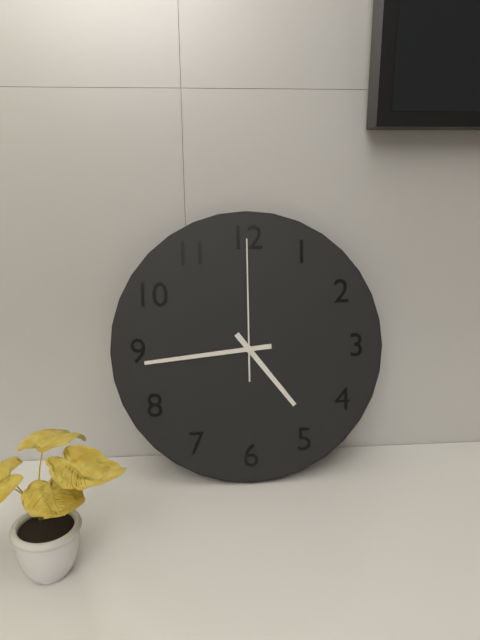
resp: 4h44m00s
